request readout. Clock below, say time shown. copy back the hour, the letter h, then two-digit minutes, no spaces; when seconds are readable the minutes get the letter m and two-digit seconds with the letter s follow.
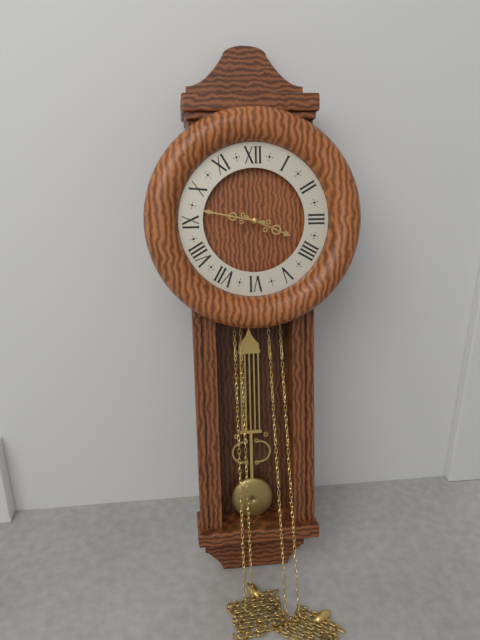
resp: 3h47
